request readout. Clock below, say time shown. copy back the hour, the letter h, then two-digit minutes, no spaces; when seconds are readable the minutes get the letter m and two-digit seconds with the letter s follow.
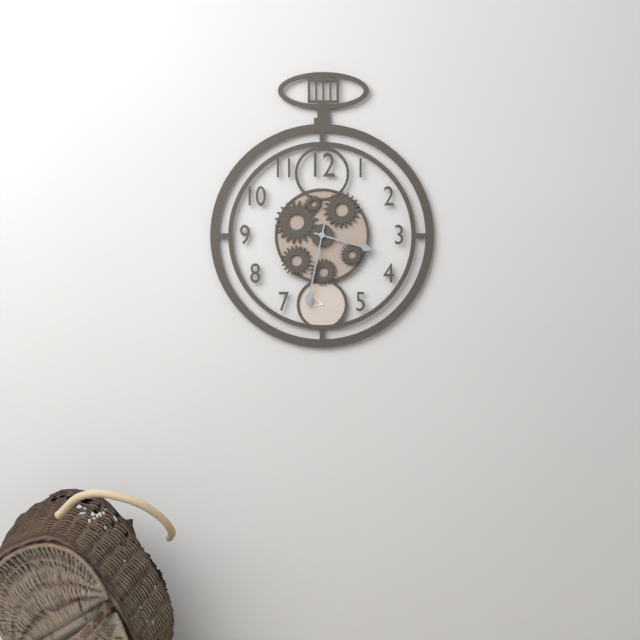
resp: 3h32
